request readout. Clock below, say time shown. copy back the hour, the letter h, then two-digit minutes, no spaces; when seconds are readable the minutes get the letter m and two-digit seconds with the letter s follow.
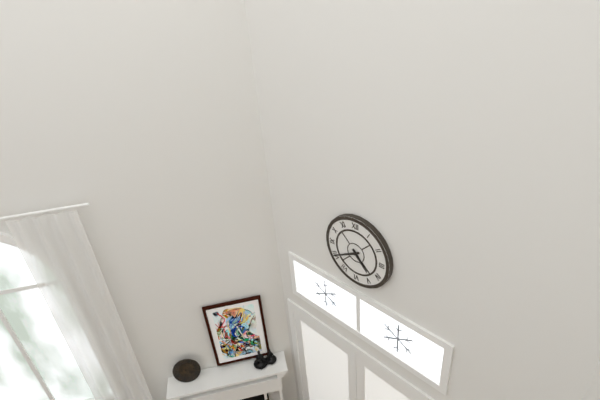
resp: 4h40
